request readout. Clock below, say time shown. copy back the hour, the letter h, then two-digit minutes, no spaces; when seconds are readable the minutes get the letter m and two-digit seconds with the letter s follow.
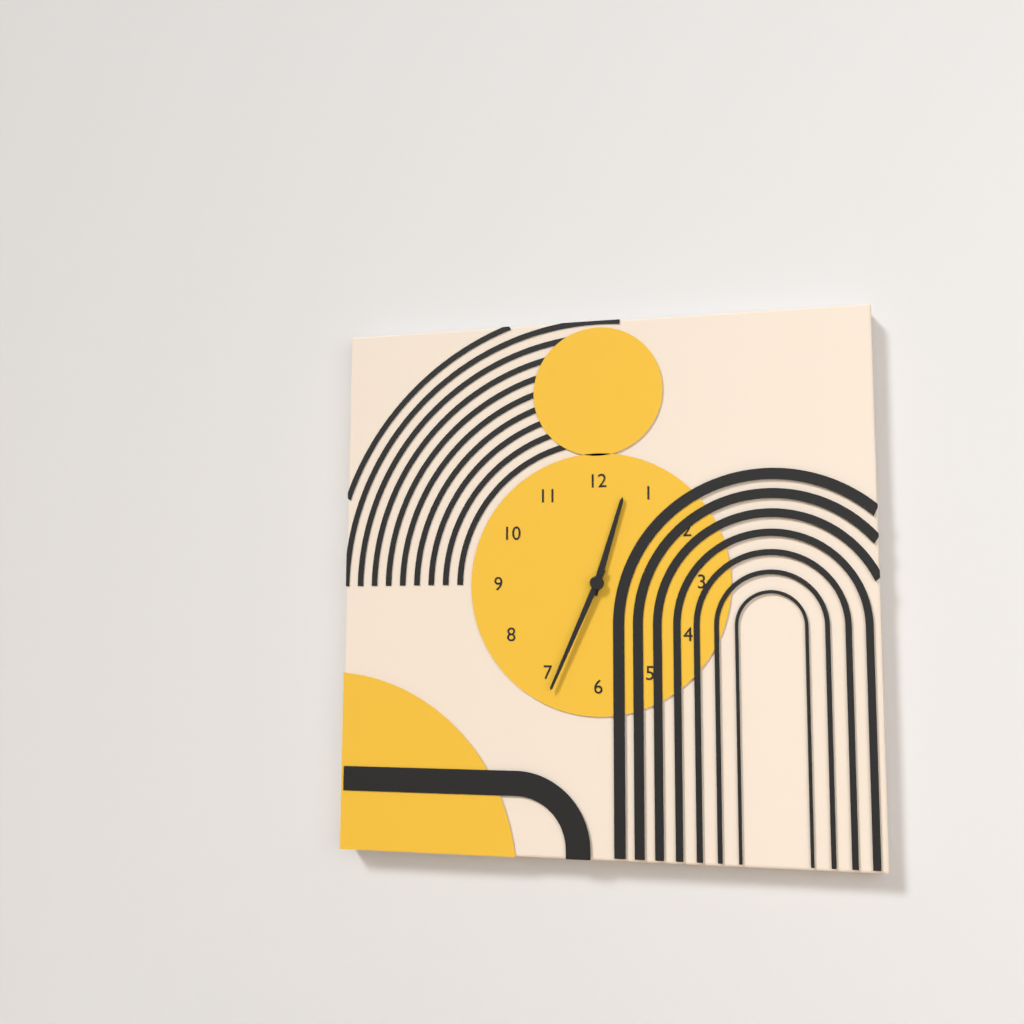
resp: 12h34
